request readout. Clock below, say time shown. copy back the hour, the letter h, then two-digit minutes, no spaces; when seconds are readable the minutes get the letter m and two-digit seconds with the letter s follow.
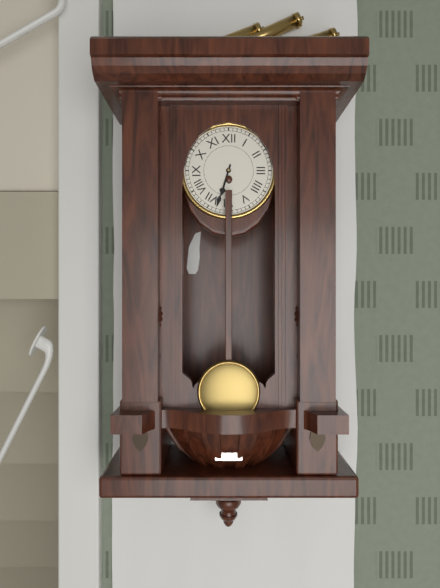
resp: 6h33
